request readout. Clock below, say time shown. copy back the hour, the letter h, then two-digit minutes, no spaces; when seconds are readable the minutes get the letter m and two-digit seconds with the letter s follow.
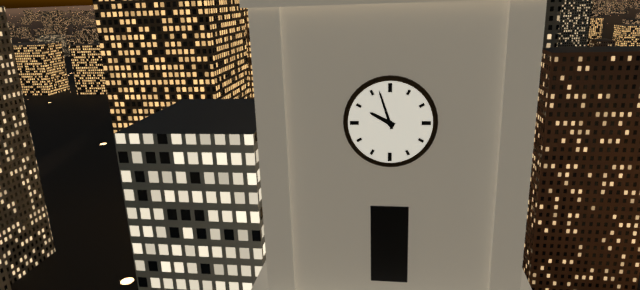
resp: 9h57
